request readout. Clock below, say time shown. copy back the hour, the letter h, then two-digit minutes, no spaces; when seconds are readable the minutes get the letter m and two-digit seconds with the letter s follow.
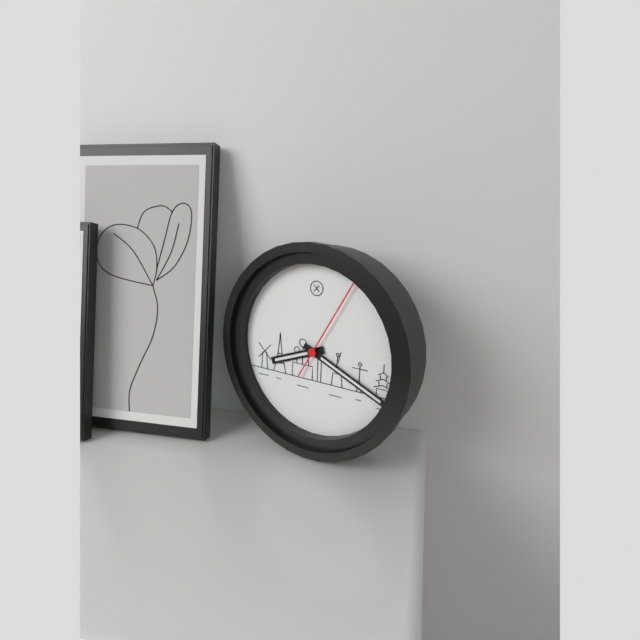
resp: 8h19m05s
